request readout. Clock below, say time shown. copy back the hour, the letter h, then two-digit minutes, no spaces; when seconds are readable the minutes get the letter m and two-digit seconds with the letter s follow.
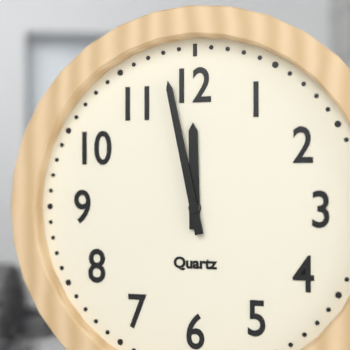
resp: 11h58
